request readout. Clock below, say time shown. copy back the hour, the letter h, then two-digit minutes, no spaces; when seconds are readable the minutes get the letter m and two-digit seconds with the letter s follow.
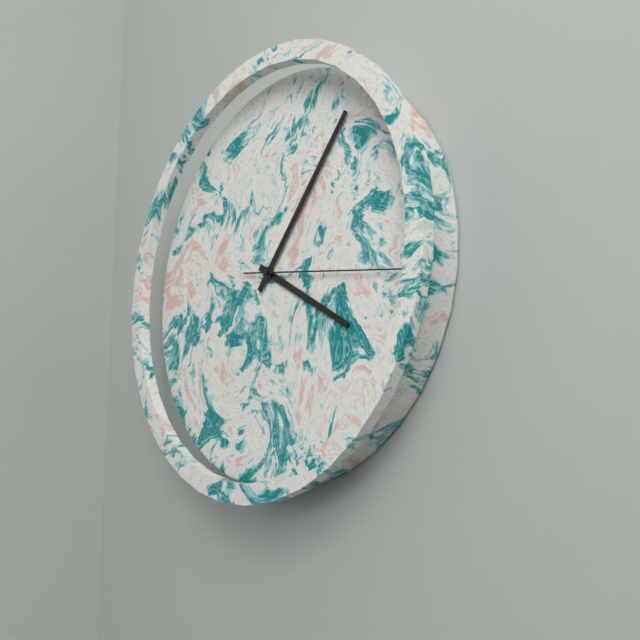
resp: 4h07m17s
